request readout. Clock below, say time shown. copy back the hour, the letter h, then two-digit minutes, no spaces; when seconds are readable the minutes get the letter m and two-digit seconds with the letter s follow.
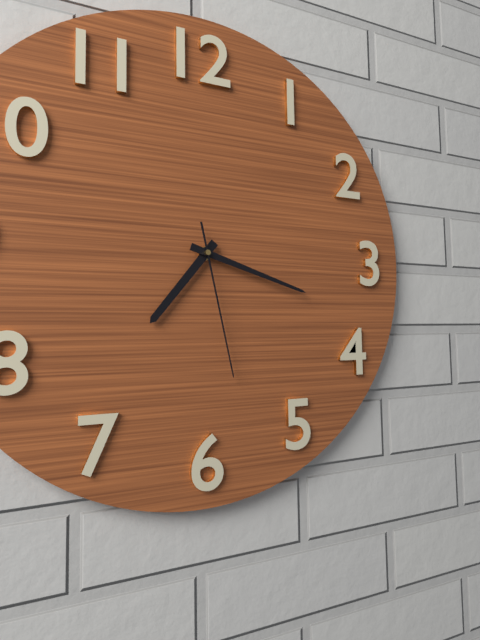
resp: 7h18m28s
